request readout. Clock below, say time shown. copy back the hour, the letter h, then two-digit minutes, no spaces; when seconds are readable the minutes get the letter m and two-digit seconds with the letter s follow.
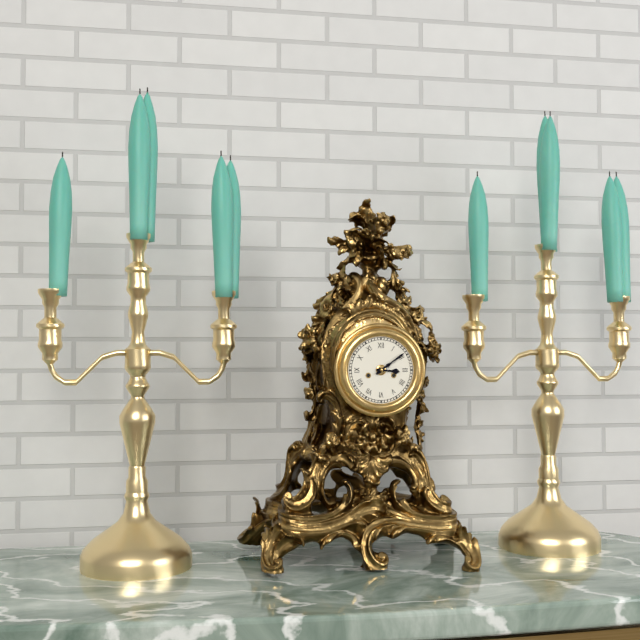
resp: 3h09
